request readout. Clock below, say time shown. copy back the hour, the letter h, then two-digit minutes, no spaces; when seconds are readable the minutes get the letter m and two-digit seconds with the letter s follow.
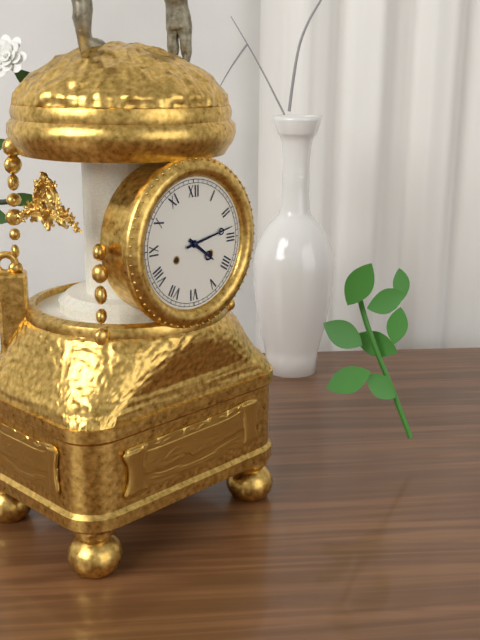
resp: 4h13
